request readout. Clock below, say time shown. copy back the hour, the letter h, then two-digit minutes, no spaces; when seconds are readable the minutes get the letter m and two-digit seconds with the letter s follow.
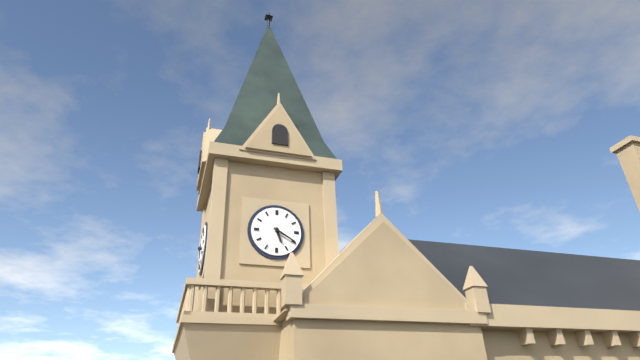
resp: 5h20
